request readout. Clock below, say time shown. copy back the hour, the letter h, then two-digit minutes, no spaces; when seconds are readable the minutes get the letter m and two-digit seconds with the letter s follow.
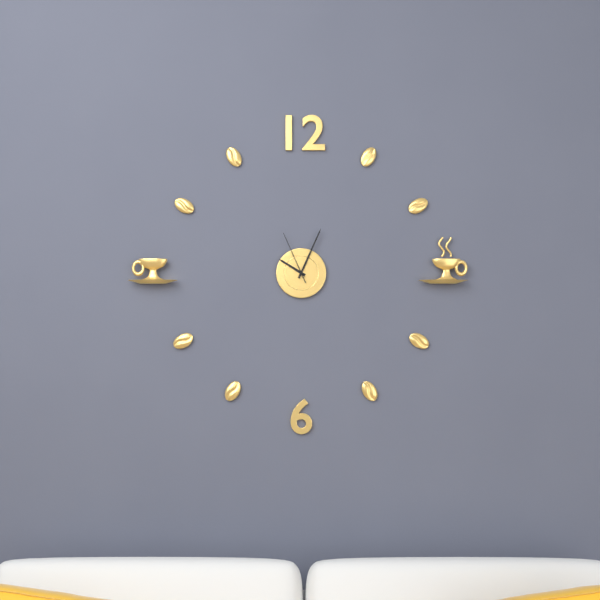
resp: 10h04m56s
